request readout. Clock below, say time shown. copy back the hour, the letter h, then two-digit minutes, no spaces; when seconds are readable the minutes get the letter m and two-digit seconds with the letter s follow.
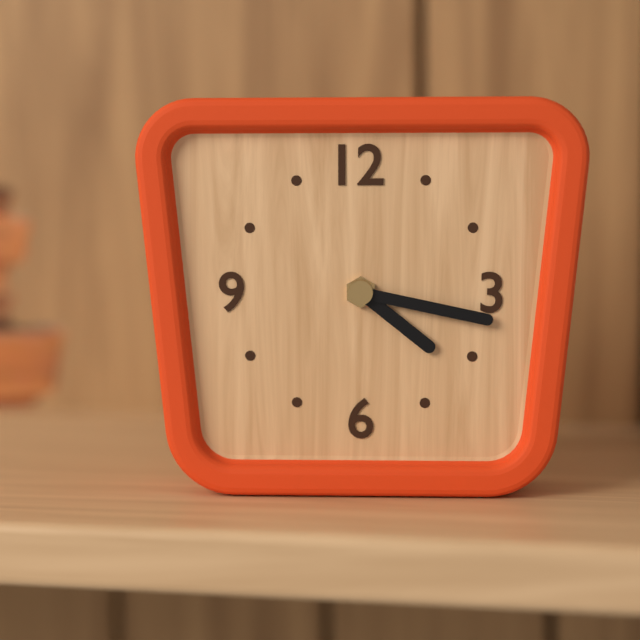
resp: 4h17
